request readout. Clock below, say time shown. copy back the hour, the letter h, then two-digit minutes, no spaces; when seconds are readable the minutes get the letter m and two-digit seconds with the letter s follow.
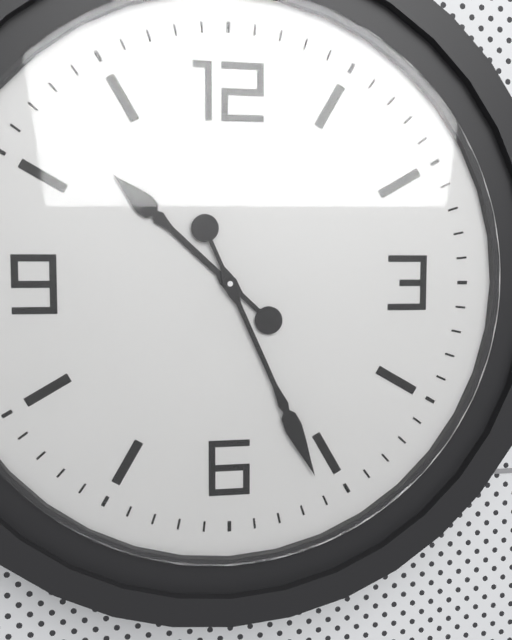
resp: 10h26
